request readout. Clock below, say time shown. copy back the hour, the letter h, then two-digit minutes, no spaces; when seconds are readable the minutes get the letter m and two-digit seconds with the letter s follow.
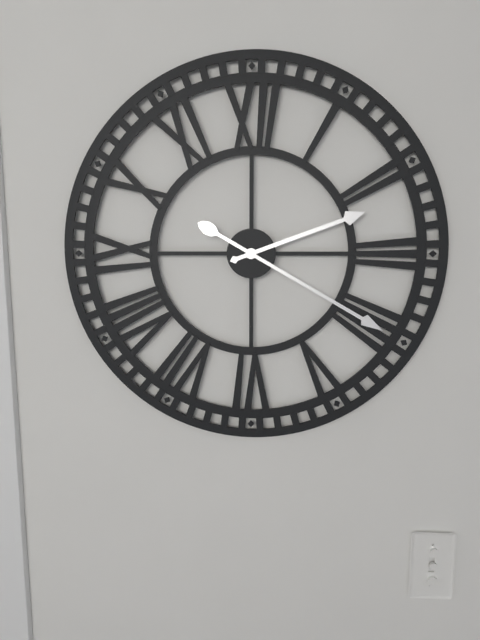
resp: 2h20
